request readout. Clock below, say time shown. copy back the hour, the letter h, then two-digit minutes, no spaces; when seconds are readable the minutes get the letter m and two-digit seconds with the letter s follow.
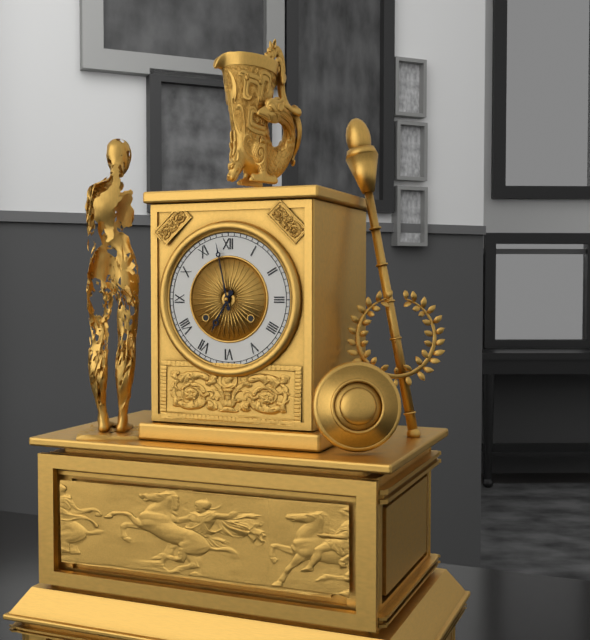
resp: 6h58
